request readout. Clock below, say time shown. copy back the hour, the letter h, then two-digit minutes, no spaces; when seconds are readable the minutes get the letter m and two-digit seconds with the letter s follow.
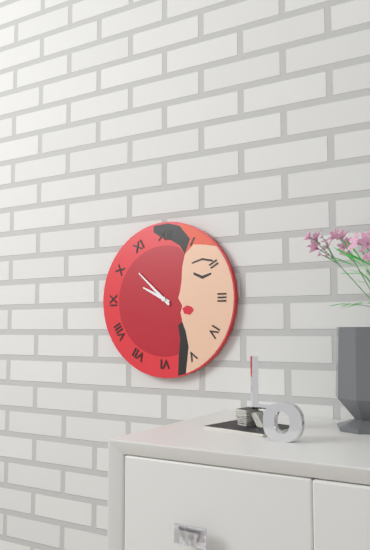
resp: 9h52
